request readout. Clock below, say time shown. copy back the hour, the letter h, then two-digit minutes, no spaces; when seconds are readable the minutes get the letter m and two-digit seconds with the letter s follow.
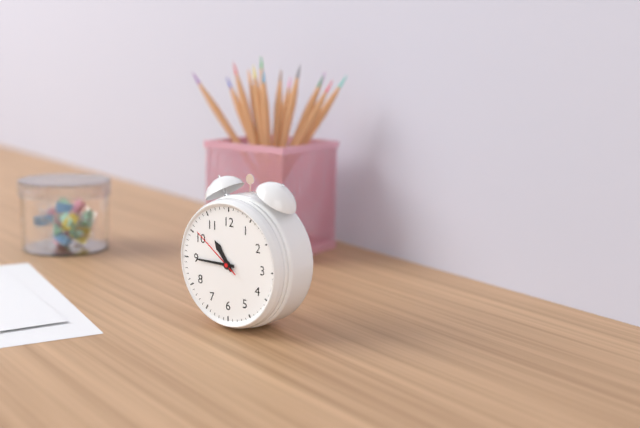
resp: 10h45m51s
